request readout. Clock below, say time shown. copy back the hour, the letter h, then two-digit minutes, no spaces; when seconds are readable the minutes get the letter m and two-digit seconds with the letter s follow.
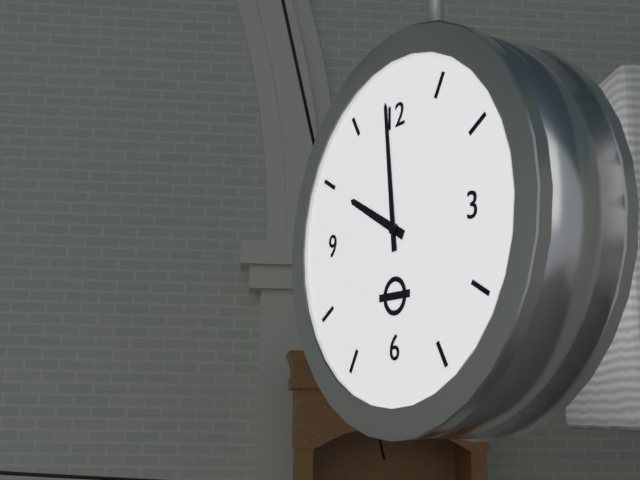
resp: 9h59
